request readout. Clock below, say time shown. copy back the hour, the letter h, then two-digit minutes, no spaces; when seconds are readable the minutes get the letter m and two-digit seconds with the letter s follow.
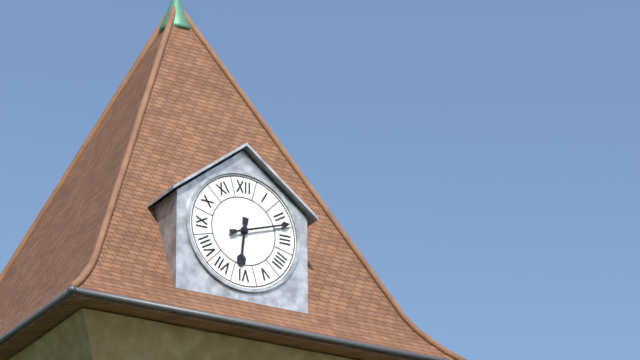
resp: 6h12
